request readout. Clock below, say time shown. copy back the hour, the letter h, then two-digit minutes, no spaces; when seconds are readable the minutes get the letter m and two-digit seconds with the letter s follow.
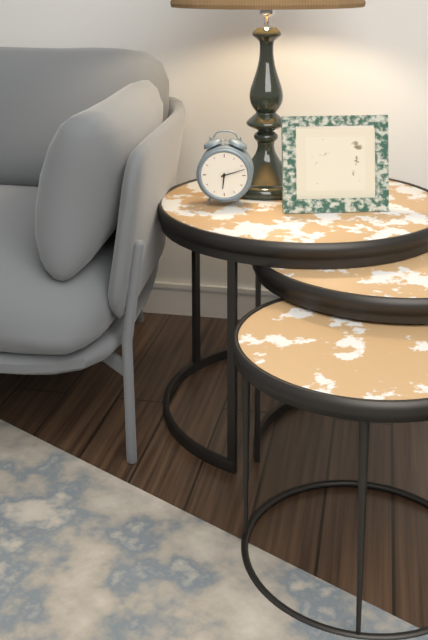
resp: 6h12
